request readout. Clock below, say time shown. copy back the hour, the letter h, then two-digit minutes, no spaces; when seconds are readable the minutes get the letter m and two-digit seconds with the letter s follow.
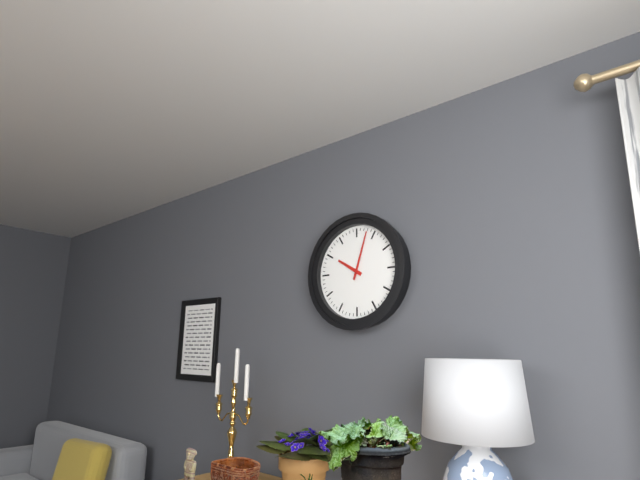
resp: 10h03
